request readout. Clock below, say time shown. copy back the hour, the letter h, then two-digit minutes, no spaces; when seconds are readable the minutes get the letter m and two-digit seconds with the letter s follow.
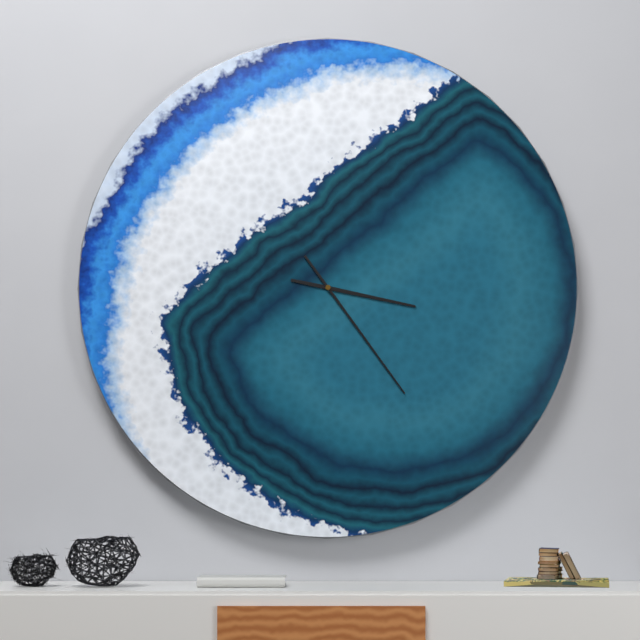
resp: 3h24
